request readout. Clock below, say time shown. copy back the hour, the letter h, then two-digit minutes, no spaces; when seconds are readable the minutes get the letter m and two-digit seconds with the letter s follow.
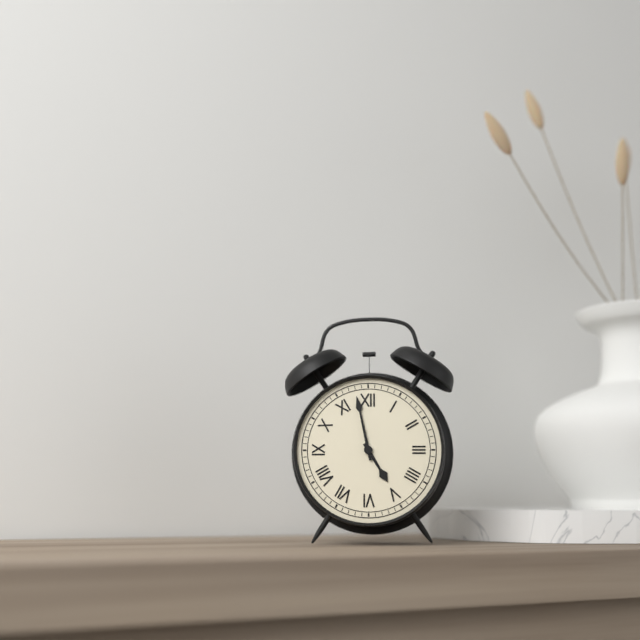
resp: 4h58
